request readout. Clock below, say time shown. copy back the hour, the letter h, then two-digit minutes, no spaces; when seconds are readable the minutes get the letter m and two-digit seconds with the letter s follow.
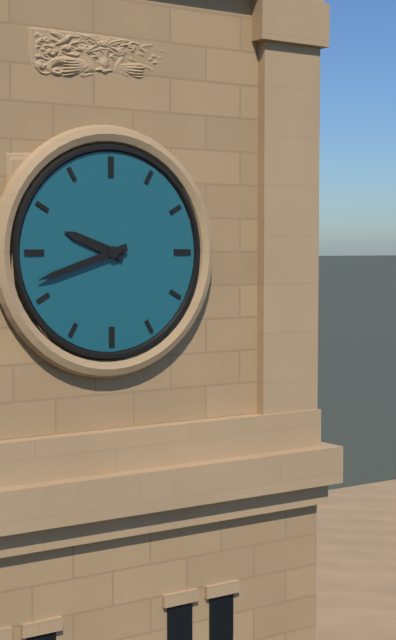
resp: 9h42
